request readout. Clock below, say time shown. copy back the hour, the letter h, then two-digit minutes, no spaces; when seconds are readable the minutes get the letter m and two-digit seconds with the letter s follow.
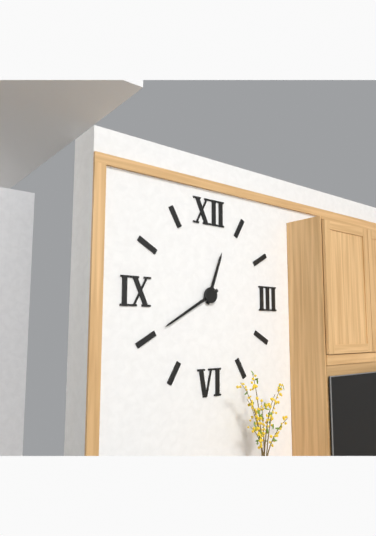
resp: 12h40
